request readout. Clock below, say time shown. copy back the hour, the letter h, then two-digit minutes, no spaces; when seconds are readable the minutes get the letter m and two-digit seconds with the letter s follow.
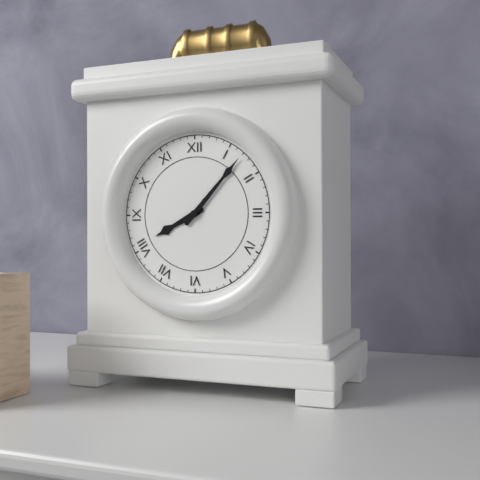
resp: 8h07
